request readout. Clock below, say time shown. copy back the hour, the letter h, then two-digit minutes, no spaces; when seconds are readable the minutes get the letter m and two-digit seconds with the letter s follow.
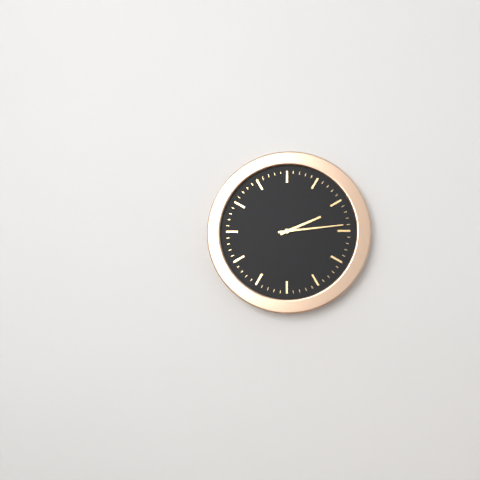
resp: 2h14
